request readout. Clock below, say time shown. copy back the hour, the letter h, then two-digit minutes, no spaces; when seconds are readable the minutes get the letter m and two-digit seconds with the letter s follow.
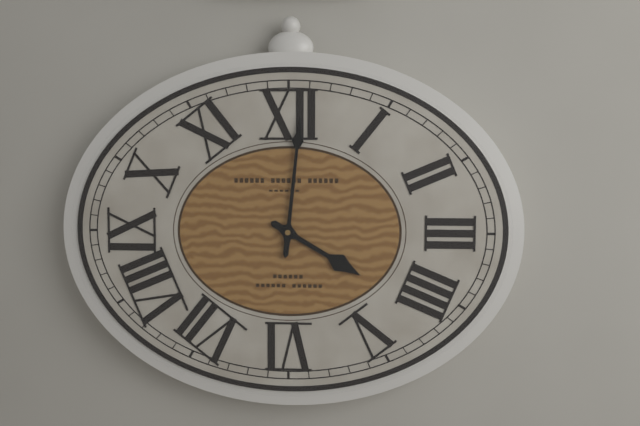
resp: 4h01
